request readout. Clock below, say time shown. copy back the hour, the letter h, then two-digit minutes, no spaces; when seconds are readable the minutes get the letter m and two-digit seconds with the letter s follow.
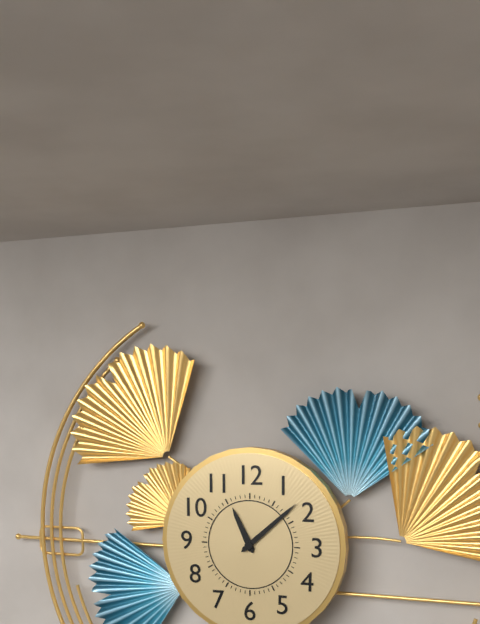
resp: 11h08
